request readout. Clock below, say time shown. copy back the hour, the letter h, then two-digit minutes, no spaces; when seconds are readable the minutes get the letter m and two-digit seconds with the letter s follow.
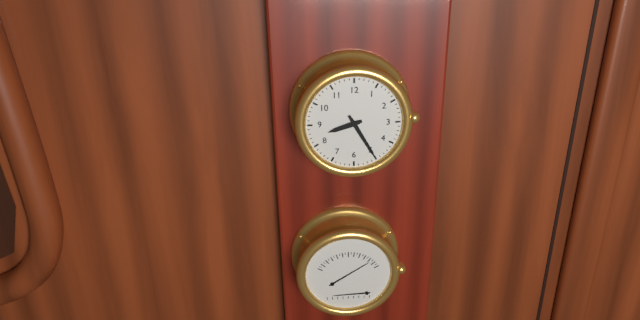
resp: 8h25
